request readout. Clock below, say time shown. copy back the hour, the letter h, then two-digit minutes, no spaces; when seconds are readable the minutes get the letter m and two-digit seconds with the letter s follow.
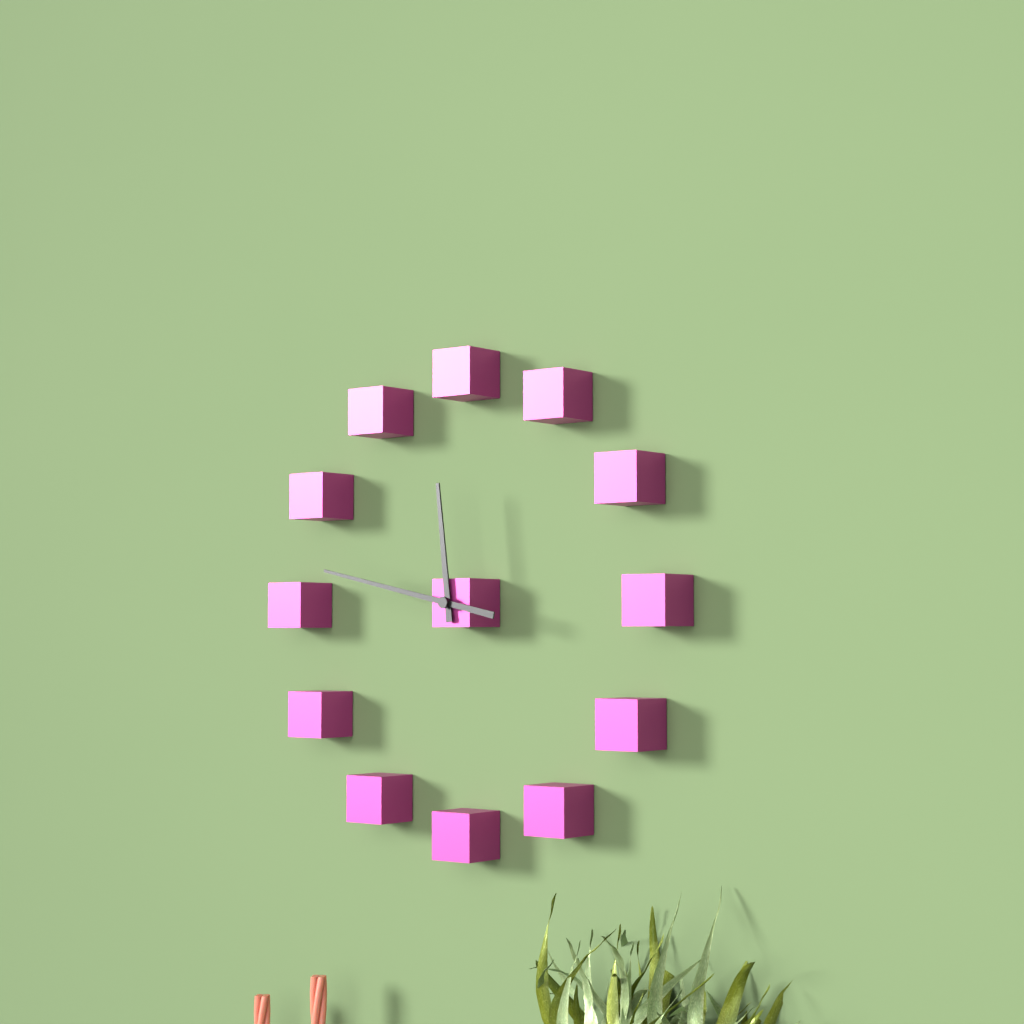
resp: 11h47
